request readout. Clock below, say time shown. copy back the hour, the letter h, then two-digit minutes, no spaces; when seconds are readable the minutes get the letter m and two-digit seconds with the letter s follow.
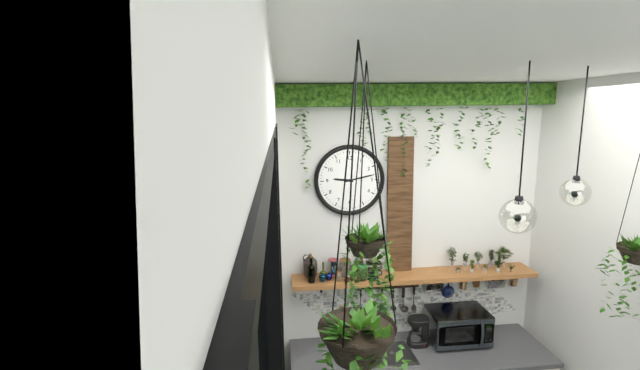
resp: 9h13
